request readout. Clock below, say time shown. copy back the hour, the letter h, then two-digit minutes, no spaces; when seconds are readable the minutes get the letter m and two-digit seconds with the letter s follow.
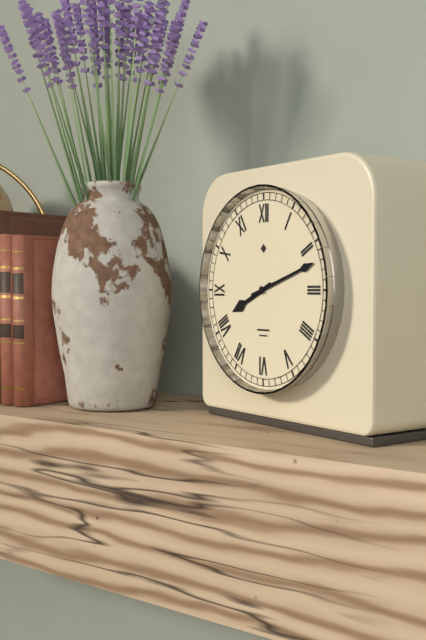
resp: 8h12
